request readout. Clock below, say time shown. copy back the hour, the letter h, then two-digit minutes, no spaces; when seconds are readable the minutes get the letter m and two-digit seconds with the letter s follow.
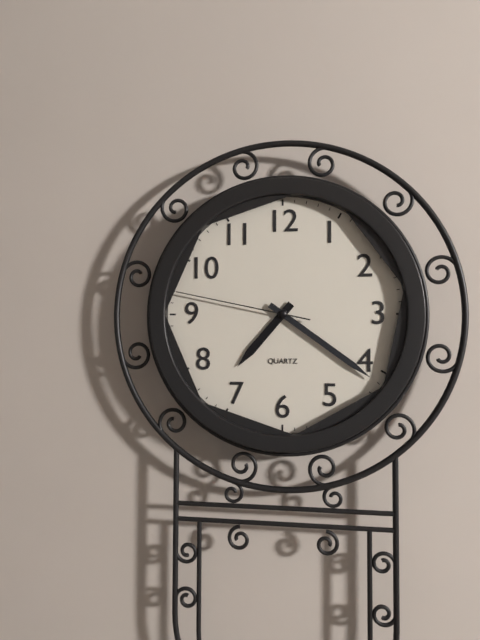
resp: 7h21m47s
